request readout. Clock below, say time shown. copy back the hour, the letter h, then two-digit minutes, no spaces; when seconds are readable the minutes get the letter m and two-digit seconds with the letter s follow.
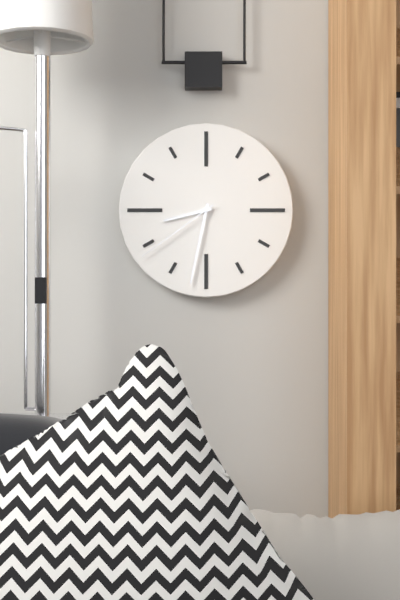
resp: 8h32m39s
